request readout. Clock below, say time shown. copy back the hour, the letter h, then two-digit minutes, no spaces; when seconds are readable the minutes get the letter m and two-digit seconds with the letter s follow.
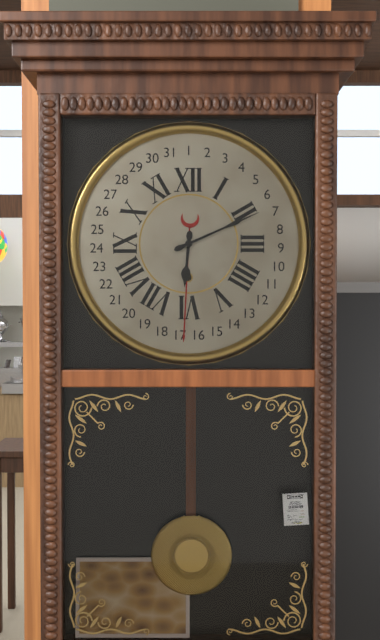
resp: 6h11
